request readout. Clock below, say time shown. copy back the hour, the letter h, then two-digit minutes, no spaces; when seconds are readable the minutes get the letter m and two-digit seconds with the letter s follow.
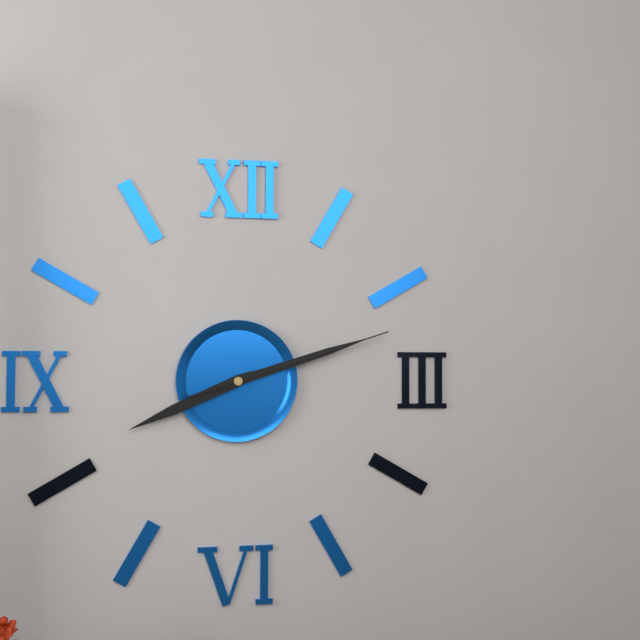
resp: 8h12m12s
